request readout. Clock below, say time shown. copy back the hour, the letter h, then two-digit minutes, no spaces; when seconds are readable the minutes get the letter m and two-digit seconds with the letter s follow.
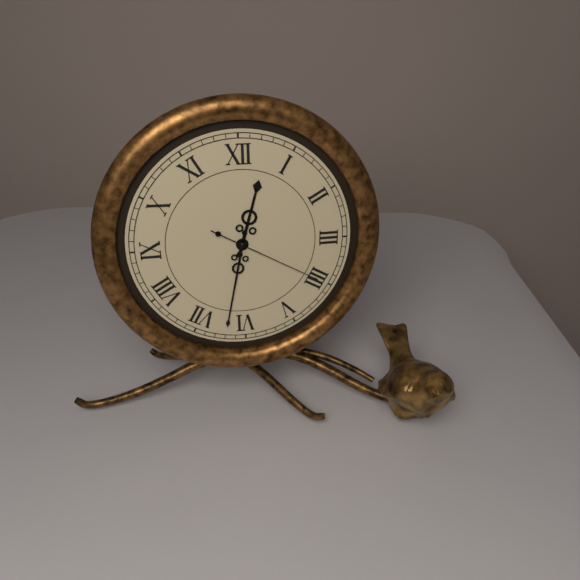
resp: 12h32m20s
